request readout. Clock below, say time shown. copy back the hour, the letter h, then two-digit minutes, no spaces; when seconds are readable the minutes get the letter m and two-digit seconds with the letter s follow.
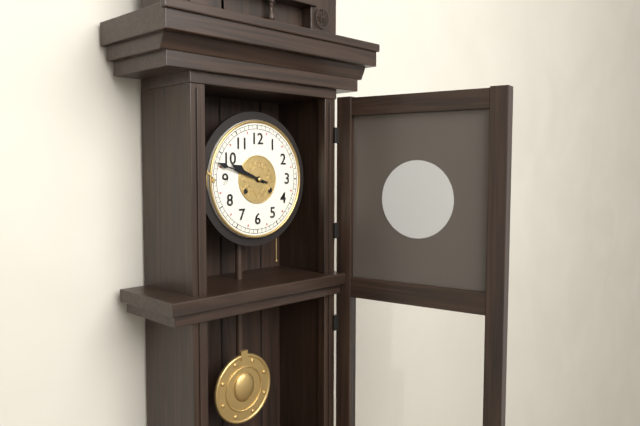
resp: 9h48
